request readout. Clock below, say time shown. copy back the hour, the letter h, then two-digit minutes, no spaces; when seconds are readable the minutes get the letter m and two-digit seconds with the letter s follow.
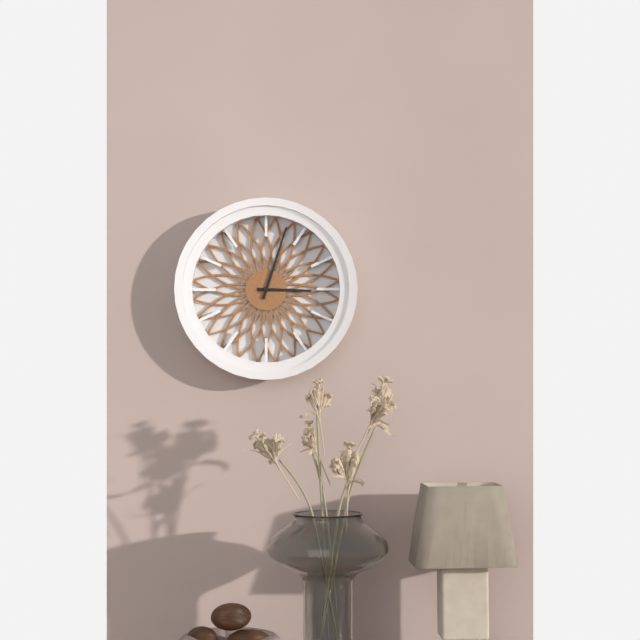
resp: 3h03
